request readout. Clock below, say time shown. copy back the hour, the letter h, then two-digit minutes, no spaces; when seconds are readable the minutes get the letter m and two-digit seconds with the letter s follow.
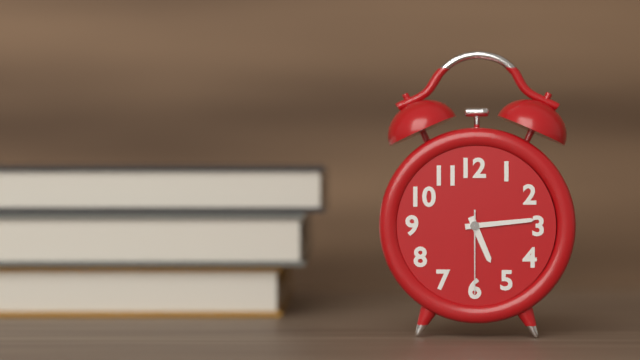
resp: 5h14m30s
